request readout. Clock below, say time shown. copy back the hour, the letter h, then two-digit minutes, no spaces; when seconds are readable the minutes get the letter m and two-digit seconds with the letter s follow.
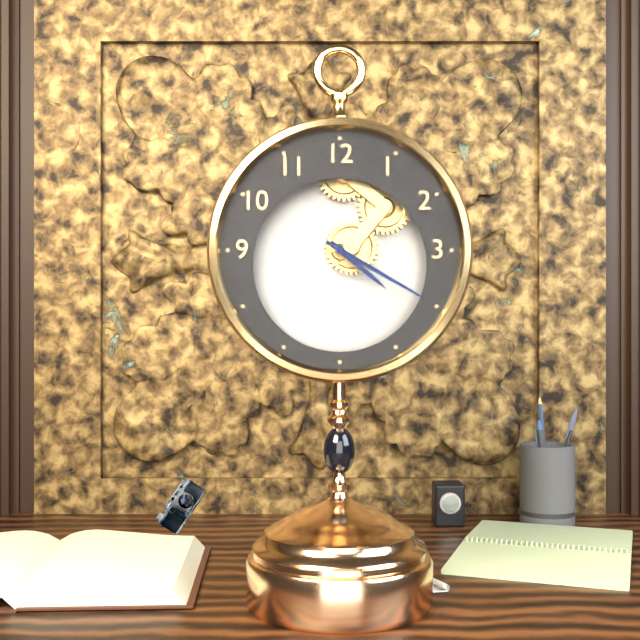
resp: 4h20
